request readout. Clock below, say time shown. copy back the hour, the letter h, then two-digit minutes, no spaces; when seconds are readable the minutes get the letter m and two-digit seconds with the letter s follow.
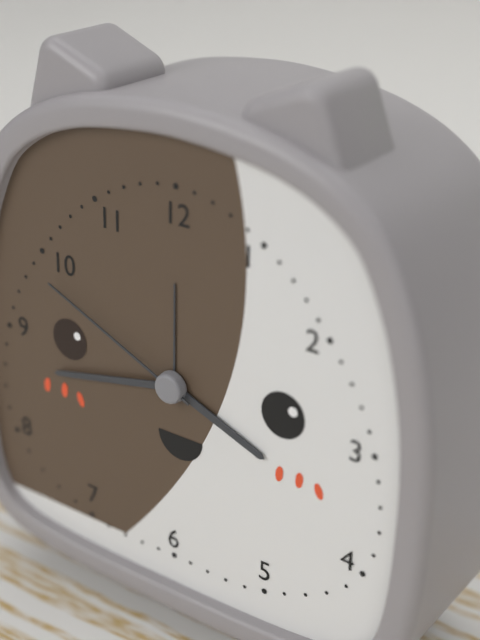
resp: 3h43m49s
